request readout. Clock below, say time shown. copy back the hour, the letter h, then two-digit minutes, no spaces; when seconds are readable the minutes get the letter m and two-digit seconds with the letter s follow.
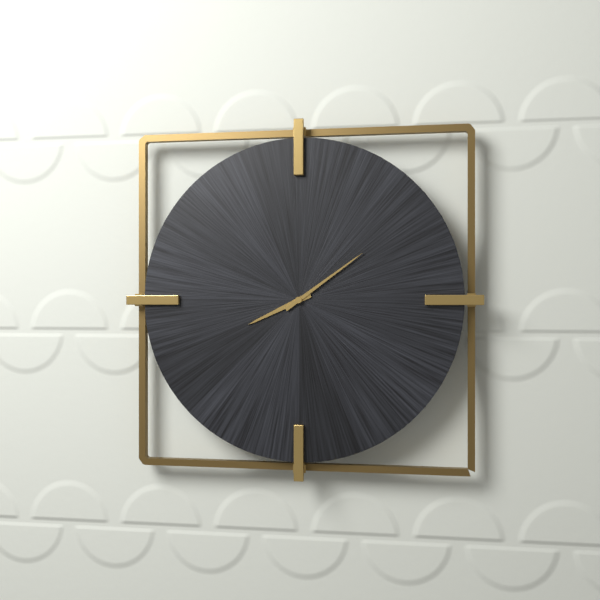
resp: 8h09
